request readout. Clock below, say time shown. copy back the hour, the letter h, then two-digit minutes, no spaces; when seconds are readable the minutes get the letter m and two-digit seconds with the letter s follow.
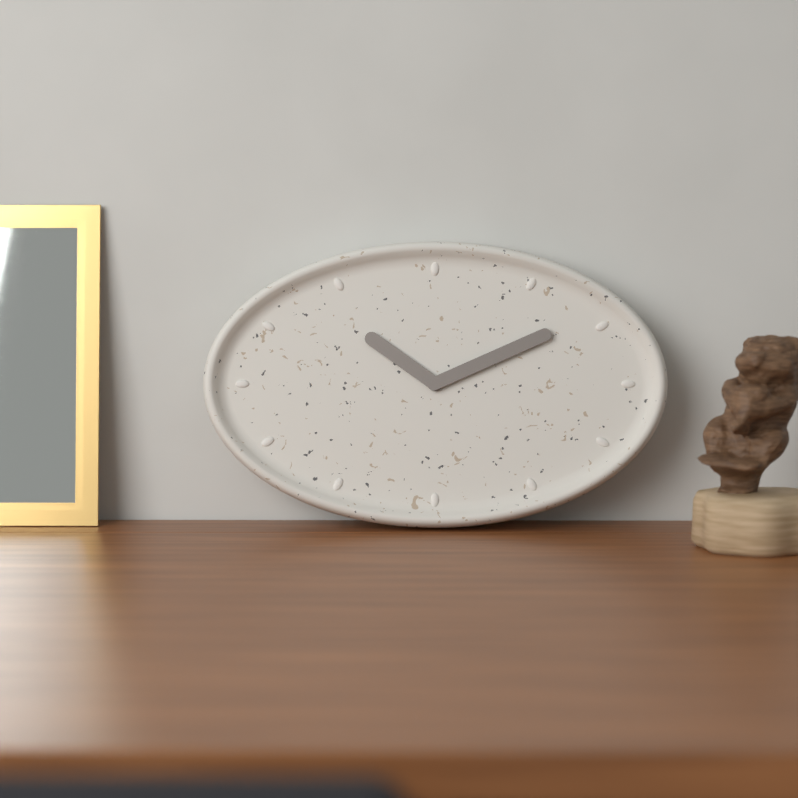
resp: 10h11
